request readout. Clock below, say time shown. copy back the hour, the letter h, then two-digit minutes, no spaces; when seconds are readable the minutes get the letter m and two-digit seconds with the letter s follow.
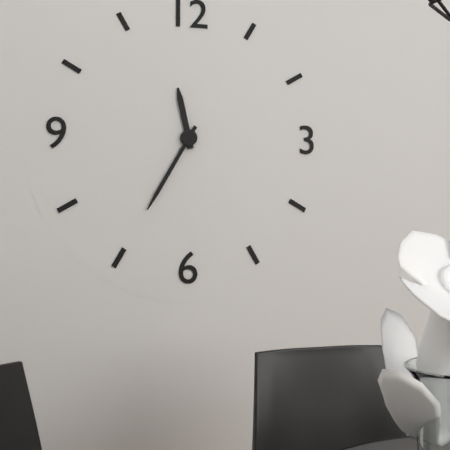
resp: 11h35
